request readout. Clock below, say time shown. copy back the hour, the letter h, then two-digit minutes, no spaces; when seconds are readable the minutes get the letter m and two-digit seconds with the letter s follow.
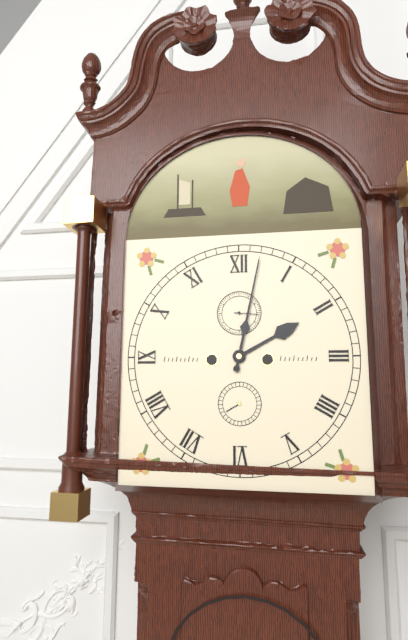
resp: 2h02
